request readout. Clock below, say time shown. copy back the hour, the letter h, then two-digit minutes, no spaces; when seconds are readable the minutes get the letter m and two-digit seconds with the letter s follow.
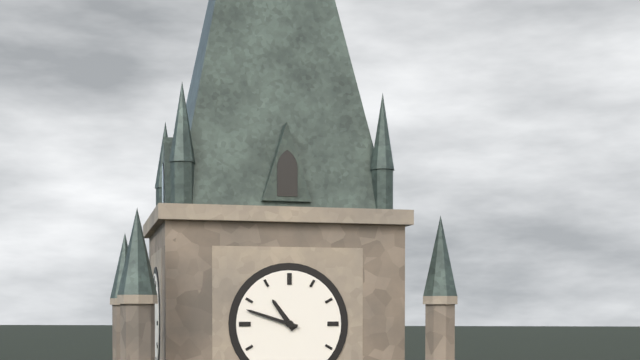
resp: 10h48
